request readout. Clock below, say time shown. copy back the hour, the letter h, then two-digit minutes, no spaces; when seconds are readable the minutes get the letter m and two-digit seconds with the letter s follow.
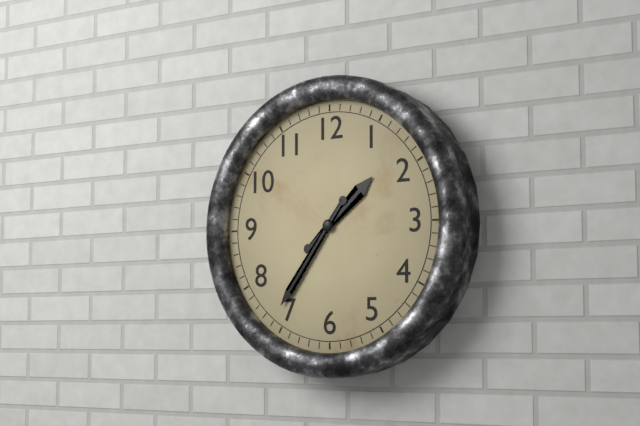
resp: 1h36
